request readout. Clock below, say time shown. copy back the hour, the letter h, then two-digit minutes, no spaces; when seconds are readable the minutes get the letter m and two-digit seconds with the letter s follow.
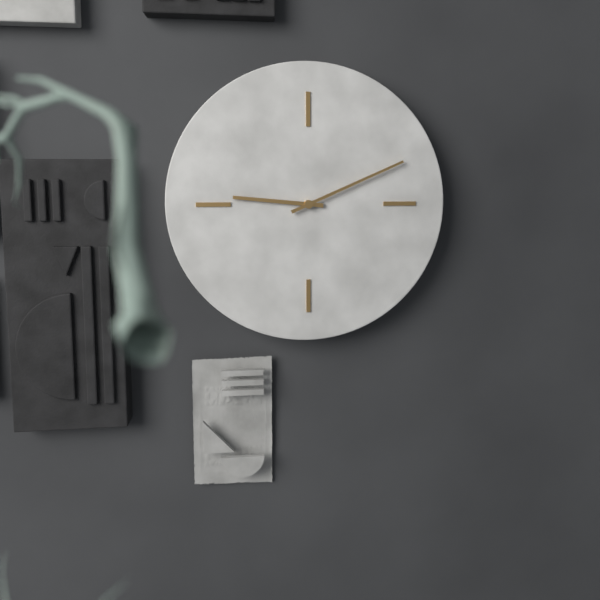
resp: 9h11
